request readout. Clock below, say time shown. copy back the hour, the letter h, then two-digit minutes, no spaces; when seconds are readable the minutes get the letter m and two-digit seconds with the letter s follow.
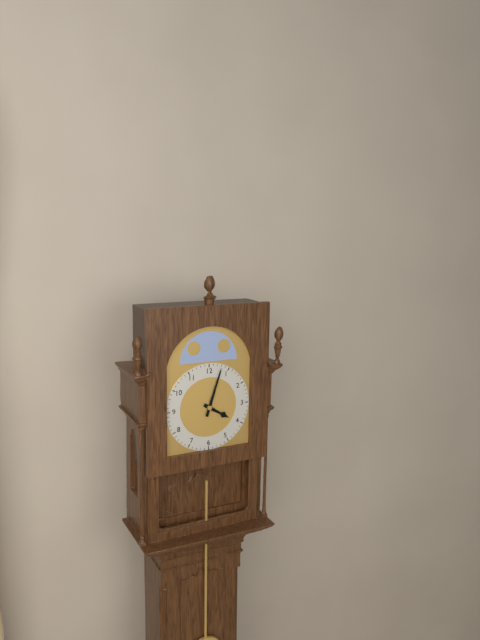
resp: 4h03
